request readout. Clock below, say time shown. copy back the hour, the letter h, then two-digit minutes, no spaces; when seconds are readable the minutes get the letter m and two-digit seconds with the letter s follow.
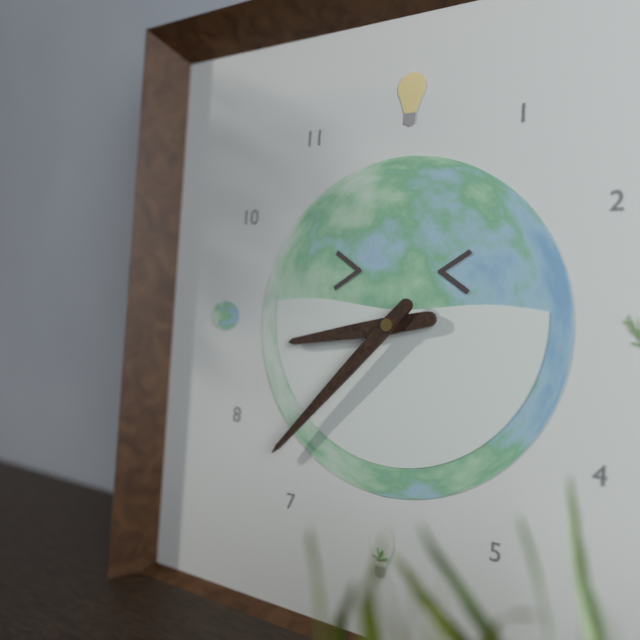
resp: 8h37
